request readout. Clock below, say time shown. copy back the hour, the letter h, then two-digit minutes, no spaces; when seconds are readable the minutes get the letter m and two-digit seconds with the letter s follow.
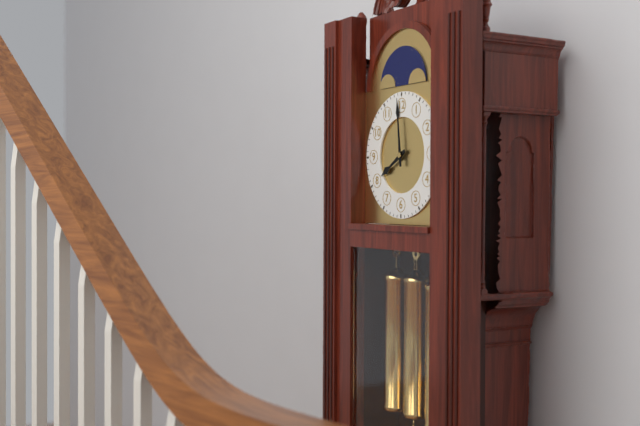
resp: 7h59
